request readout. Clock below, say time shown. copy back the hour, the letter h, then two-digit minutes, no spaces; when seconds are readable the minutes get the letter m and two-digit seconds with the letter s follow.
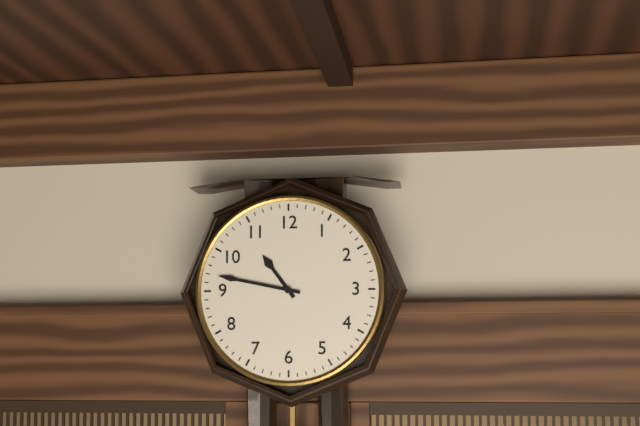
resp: 10h47
